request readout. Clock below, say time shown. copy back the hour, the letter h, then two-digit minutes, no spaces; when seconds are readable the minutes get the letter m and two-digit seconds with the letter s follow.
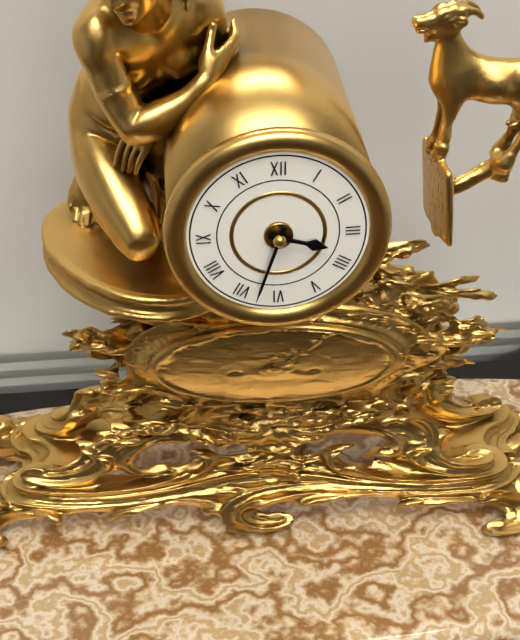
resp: 3h33
